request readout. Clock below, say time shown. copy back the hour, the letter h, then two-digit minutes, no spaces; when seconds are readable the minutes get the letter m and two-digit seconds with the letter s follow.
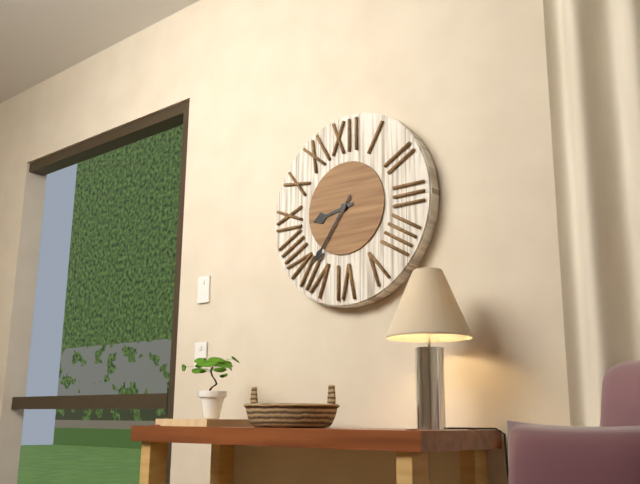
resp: 8h36
